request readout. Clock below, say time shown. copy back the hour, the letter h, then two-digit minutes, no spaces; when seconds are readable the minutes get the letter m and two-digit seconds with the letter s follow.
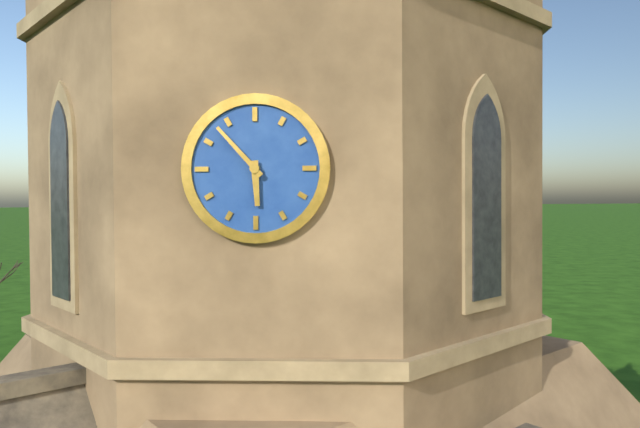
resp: 5h53
